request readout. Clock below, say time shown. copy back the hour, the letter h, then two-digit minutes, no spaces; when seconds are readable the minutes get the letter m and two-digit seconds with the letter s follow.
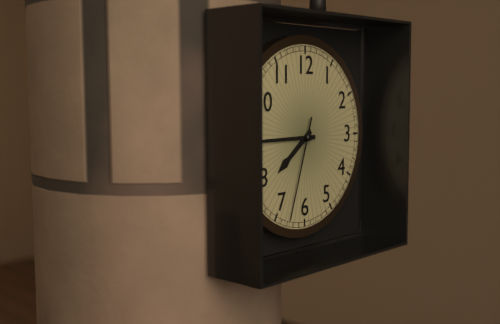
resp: 7h45m33s
